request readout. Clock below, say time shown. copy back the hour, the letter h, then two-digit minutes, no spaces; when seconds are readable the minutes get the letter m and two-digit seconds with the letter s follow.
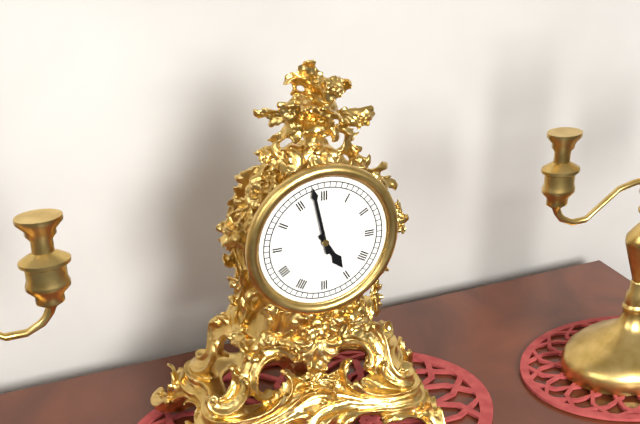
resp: 4h58
